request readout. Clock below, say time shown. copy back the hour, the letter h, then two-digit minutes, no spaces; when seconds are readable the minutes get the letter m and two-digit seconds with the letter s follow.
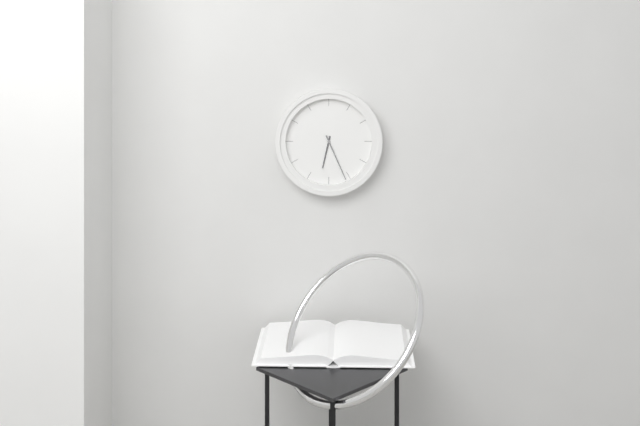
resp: 6h26
